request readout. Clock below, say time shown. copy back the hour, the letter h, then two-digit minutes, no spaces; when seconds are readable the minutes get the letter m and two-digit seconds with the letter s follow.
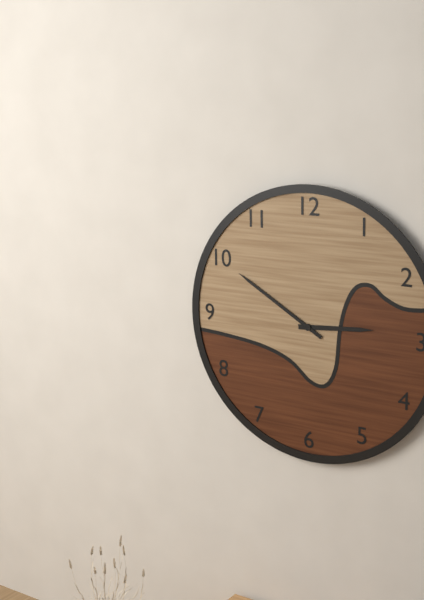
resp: 2h50
